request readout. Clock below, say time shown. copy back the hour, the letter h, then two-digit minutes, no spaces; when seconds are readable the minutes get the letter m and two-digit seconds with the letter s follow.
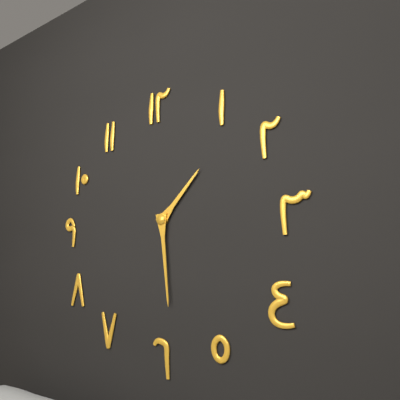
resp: 1h29
